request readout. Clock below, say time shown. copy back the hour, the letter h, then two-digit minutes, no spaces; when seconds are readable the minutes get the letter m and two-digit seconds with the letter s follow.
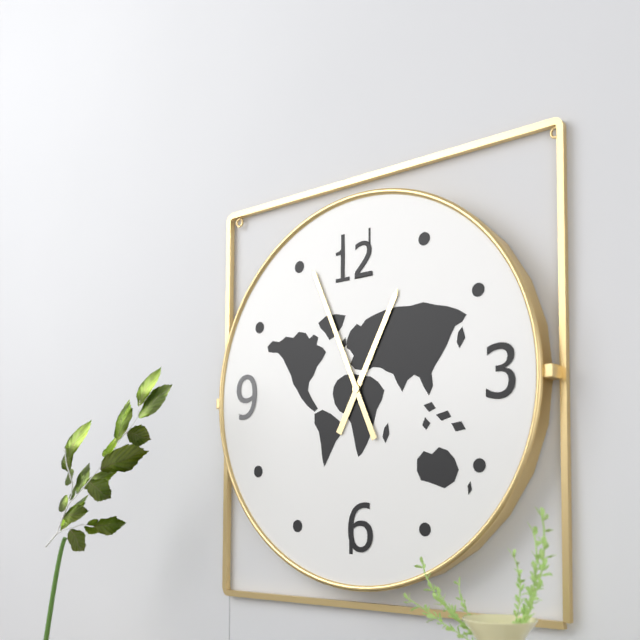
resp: 12h56
